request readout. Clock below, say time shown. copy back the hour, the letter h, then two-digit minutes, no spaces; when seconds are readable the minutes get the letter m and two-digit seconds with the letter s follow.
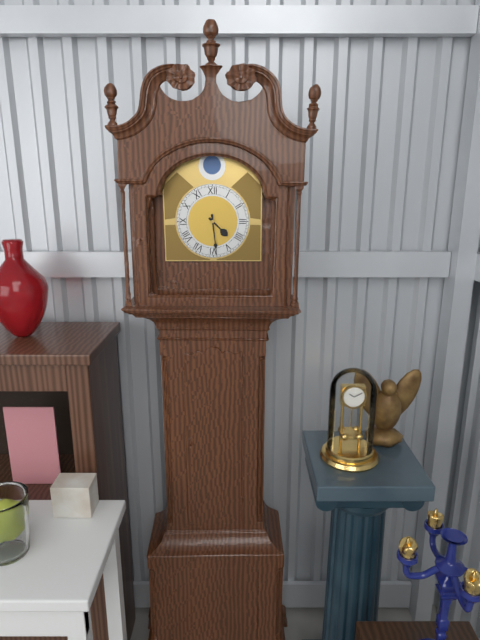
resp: 4h29
